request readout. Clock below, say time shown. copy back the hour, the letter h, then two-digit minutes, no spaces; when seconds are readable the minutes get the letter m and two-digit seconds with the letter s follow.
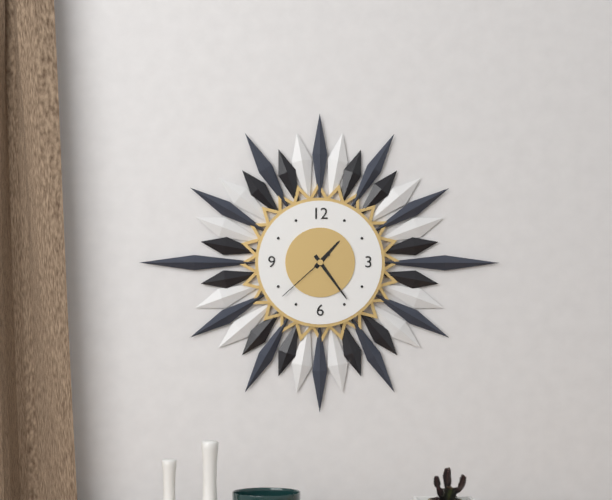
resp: 1h24m38s
